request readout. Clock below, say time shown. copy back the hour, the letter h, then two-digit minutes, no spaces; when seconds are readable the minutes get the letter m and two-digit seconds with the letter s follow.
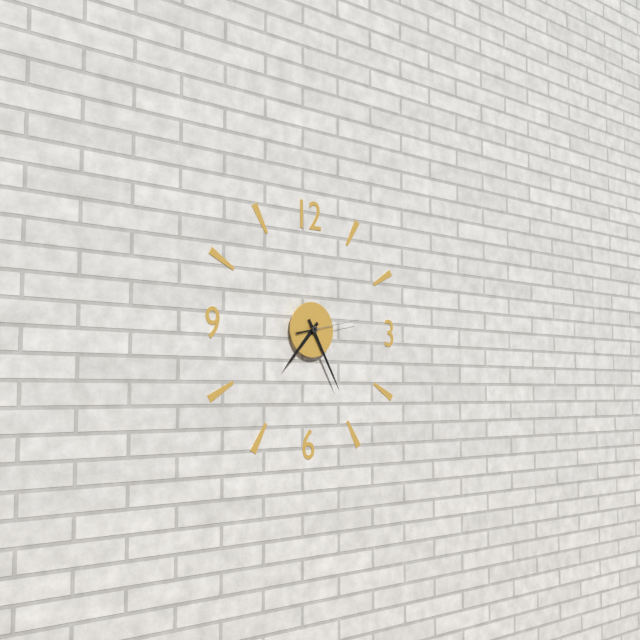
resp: 7h25m13s
